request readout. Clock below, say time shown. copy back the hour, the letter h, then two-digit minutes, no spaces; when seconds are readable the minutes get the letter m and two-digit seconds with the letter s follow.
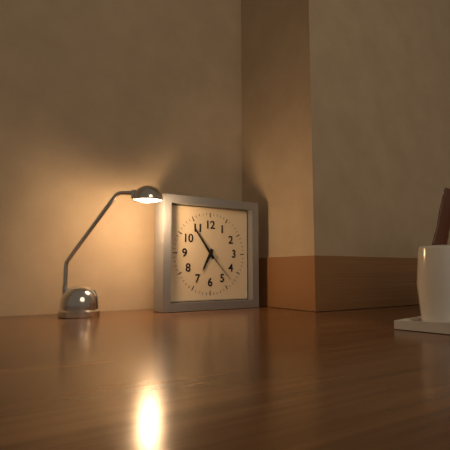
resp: 6h54
